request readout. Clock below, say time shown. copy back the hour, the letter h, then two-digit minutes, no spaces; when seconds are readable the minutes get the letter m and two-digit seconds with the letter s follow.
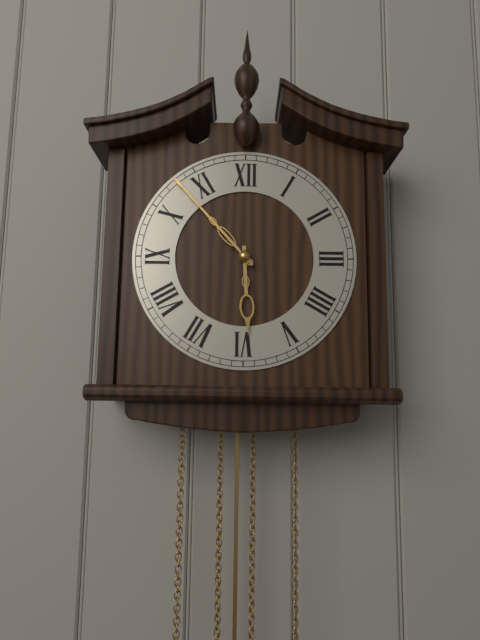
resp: 5h53
